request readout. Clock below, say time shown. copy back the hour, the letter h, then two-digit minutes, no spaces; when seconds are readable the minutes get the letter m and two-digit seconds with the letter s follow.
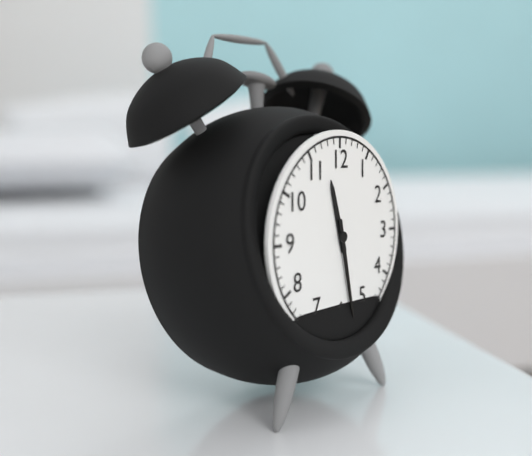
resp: 11h28
